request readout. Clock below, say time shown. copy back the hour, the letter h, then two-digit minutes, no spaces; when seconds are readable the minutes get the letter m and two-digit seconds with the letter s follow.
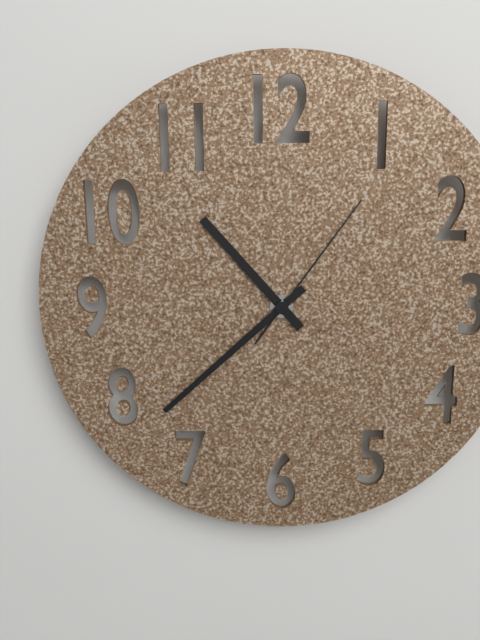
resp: 10h38m06s
